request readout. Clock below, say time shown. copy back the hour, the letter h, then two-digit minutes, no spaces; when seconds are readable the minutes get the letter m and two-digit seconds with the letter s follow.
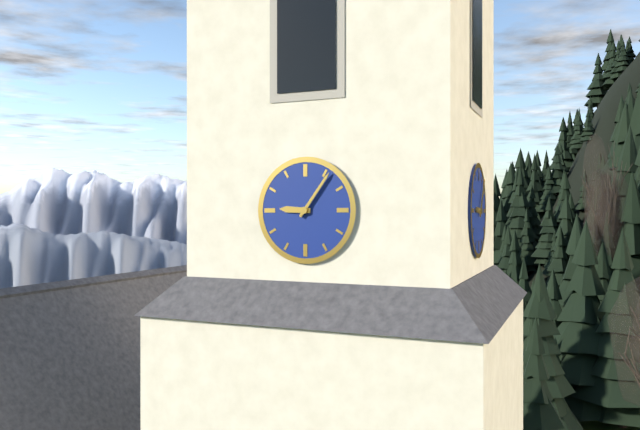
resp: 9h06
